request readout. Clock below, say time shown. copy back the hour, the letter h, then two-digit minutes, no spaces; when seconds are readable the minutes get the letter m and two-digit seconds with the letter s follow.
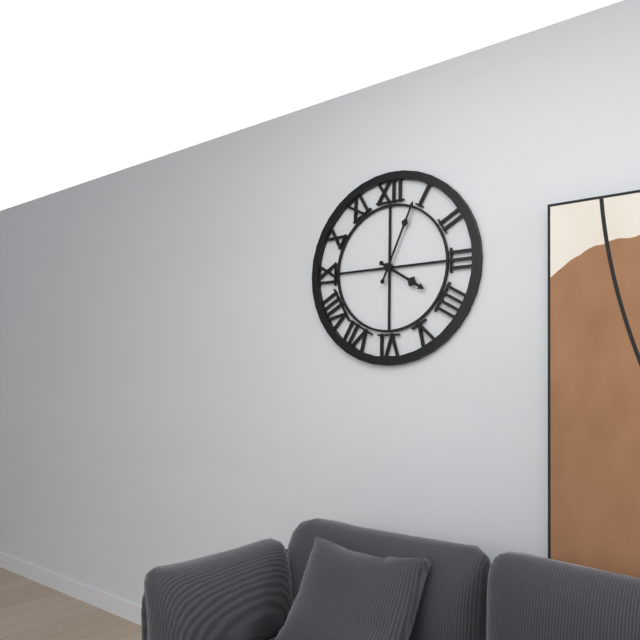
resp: 4h04
